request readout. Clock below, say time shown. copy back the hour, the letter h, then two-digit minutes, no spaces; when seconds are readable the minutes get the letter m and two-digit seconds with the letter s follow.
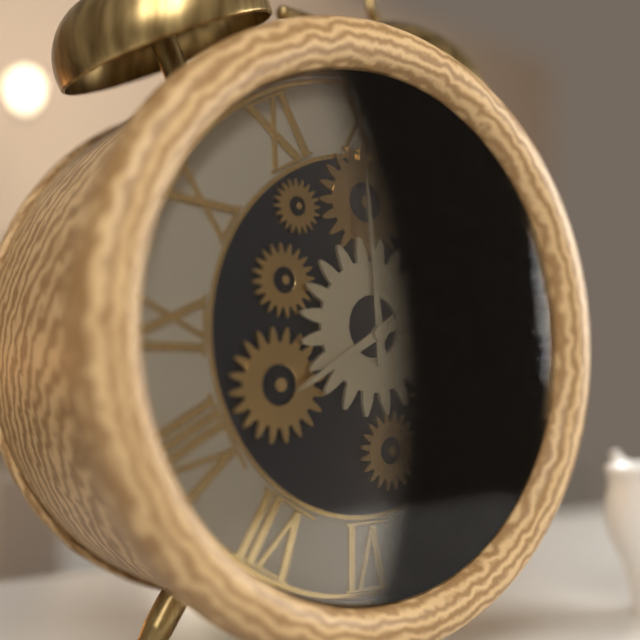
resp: 7h59
